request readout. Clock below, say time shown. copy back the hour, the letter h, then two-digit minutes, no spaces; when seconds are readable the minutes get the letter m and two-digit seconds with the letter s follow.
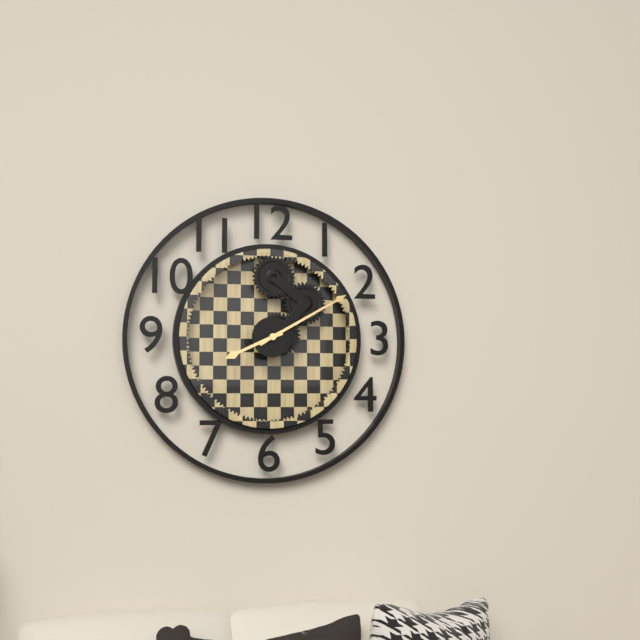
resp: 8h10
